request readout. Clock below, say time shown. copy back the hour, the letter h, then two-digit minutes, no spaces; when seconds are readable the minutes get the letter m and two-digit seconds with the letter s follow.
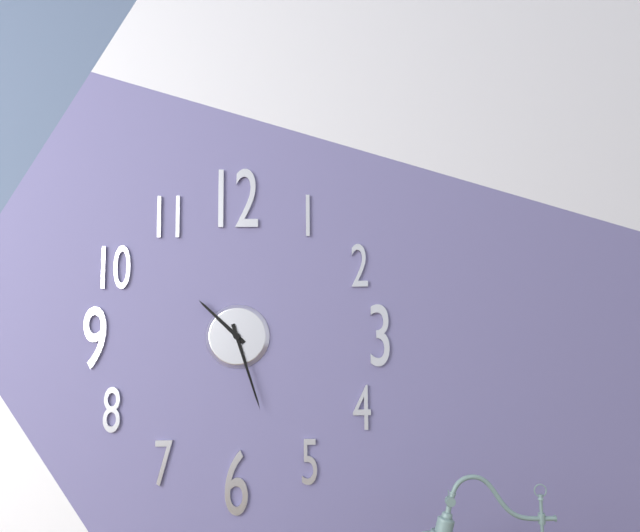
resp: 10h27
